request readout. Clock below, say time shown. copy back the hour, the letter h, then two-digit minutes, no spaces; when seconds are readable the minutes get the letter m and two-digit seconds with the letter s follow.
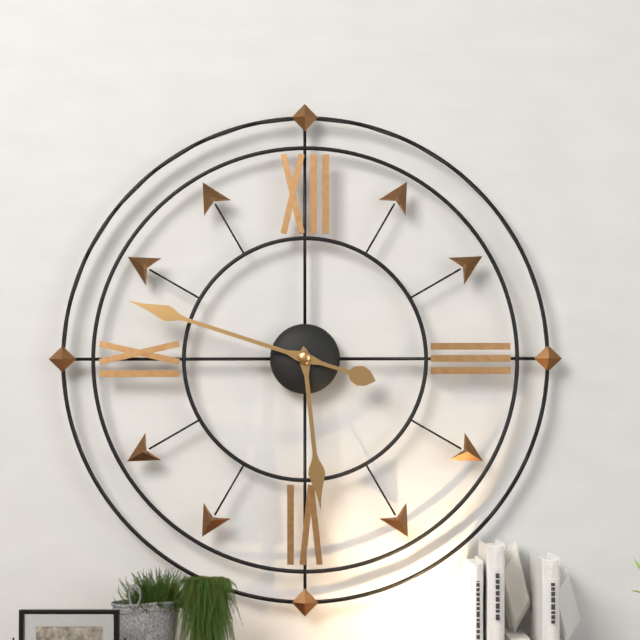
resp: 5h48
